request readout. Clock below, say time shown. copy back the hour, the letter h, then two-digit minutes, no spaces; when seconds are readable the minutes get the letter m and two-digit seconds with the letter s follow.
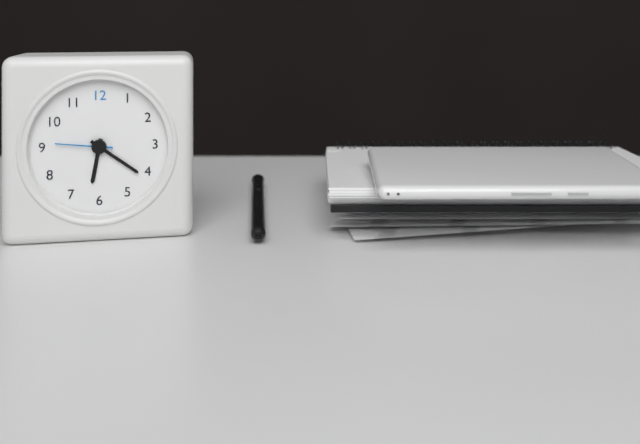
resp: 6h21m46s
